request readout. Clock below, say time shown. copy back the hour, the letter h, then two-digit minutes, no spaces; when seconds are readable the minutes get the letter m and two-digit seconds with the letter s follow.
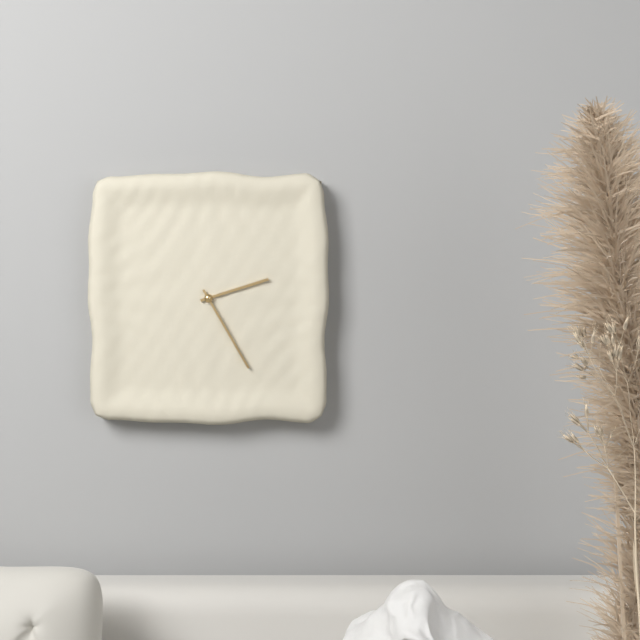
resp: 2h25
